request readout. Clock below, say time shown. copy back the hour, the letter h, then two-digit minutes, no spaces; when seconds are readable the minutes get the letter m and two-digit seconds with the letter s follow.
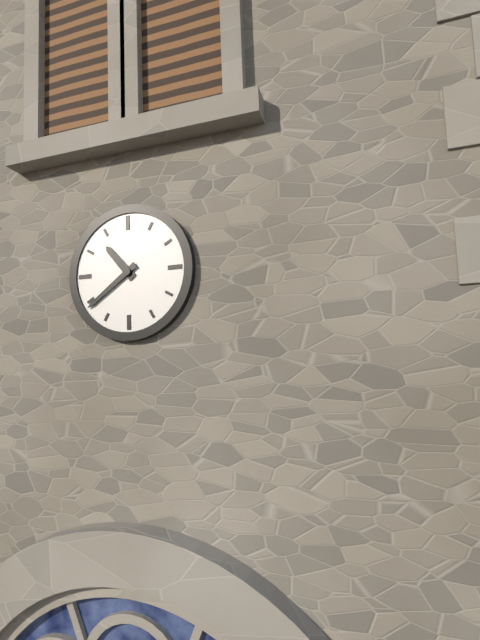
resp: 10h39
